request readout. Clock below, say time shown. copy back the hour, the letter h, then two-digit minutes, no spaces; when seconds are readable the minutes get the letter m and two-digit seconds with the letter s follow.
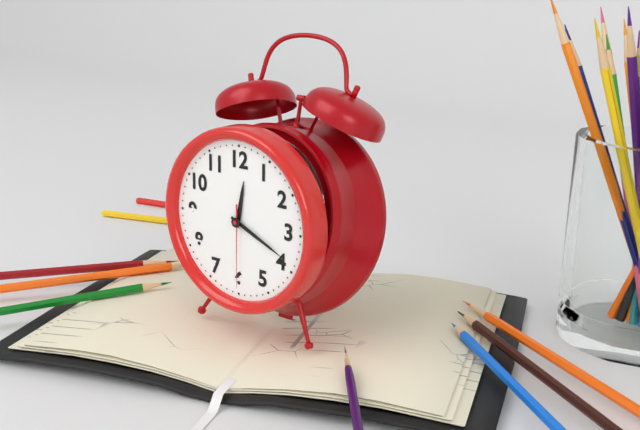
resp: 12h19m30s
